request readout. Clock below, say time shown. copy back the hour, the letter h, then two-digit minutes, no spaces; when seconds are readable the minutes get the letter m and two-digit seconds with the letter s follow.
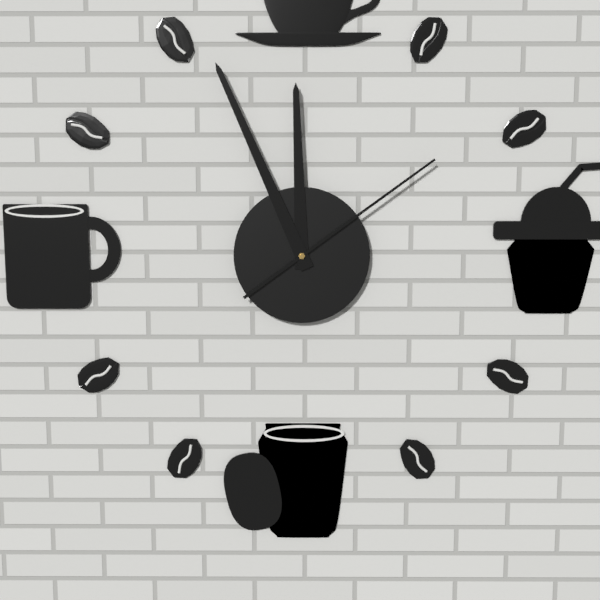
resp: 11h56m09s
